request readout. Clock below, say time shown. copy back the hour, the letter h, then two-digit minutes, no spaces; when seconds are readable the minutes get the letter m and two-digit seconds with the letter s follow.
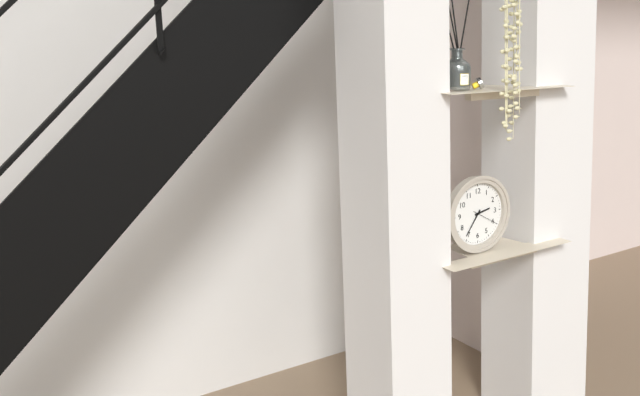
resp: 2h36
